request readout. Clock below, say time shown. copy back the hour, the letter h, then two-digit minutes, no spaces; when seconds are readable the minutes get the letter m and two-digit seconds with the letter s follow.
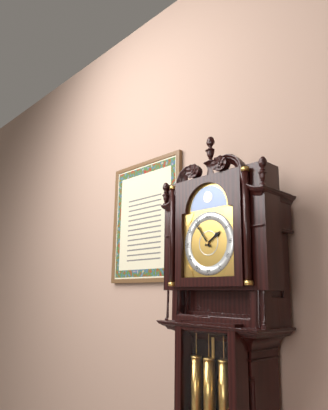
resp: 1h54
